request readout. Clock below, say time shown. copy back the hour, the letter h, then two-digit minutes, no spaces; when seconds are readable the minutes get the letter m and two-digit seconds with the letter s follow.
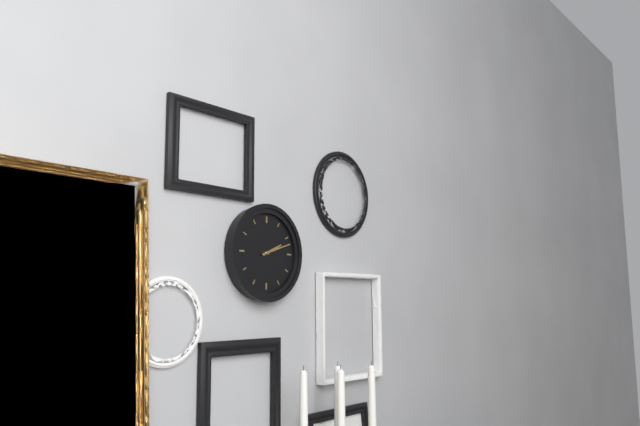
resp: 2h12
